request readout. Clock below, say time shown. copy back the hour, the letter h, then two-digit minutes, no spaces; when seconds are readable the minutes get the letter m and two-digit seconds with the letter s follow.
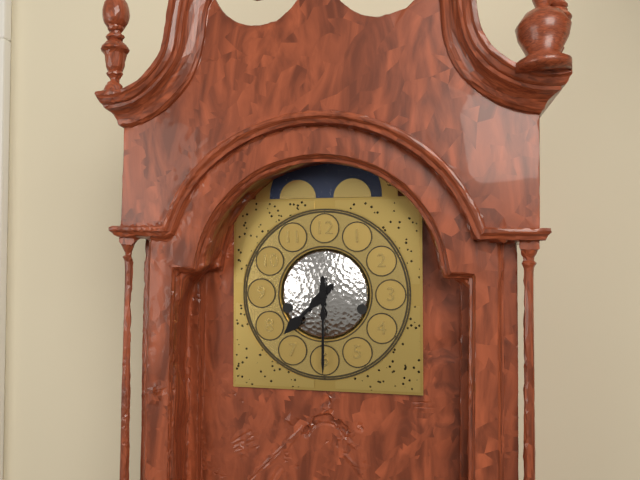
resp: 7h30
